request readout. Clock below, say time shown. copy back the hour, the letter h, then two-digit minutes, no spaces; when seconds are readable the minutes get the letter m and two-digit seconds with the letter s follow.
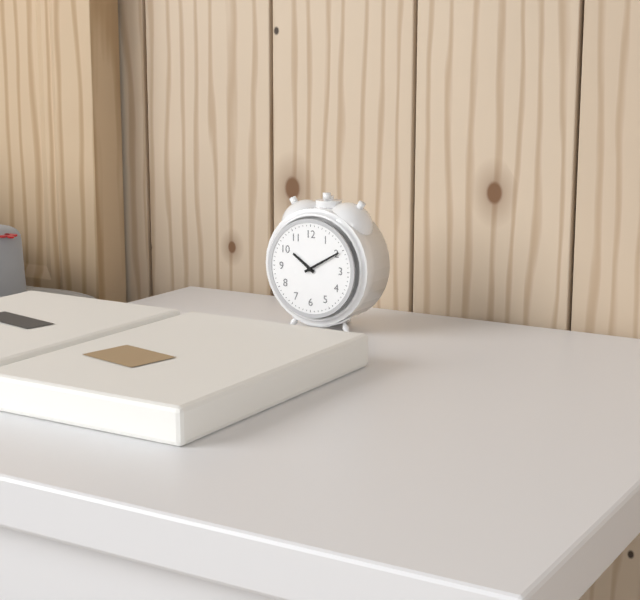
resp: 10h10
